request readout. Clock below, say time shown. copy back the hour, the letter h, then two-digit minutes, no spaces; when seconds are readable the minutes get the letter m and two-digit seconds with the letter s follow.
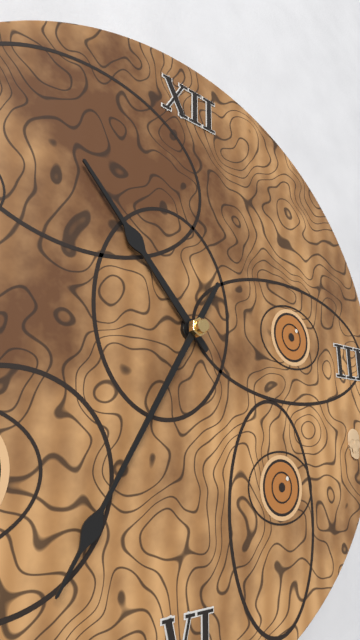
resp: 10h35
